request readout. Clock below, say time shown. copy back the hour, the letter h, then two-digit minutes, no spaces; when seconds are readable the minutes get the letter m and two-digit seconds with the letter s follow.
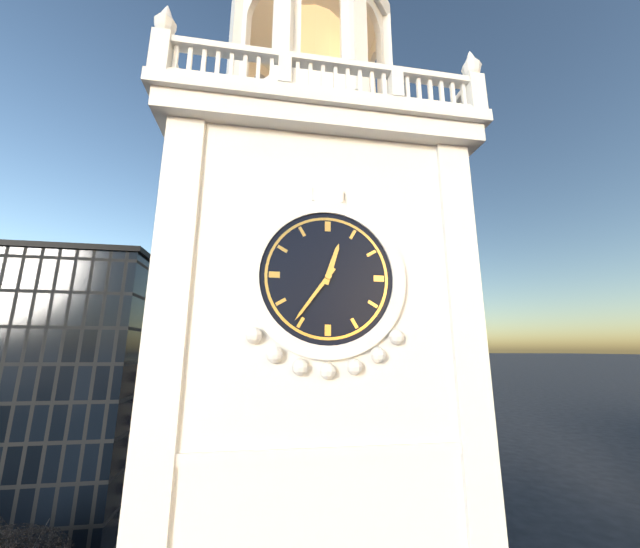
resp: 12h36
